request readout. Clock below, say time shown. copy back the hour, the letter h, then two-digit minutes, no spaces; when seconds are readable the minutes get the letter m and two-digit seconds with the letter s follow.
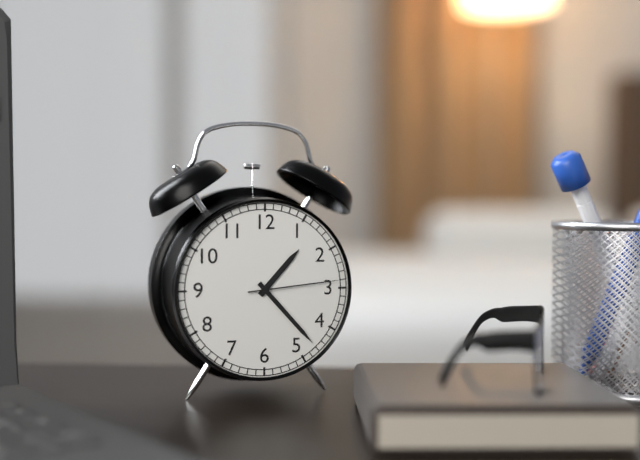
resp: 1h23m14s
